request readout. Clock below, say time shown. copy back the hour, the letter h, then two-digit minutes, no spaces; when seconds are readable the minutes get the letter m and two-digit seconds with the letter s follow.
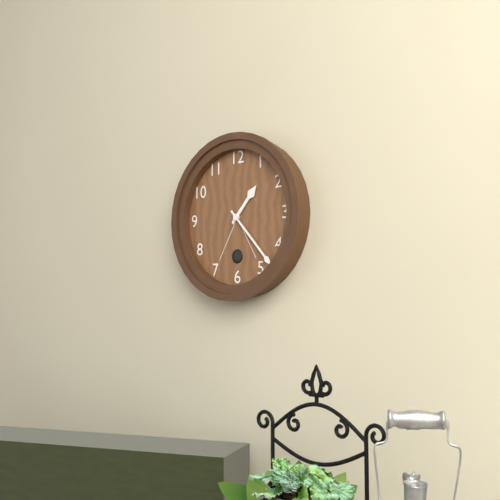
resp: 1h23
